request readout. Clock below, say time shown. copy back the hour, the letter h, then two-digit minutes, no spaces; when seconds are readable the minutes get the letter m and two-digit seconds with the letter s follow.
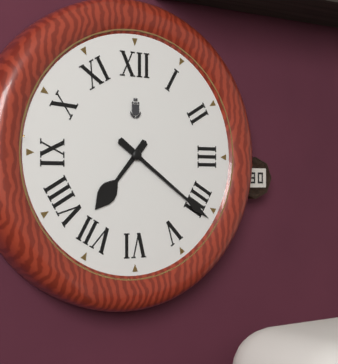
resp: 7h21
